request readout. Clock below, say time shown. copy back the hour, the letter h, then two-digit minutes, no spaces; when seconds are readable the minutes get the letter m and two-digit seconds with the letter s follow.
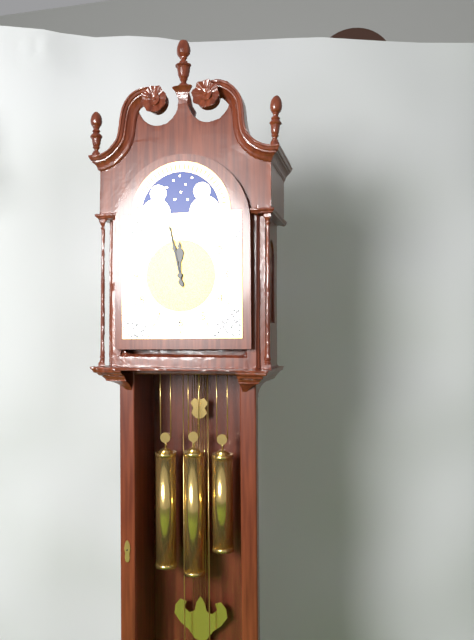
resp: 11h58
